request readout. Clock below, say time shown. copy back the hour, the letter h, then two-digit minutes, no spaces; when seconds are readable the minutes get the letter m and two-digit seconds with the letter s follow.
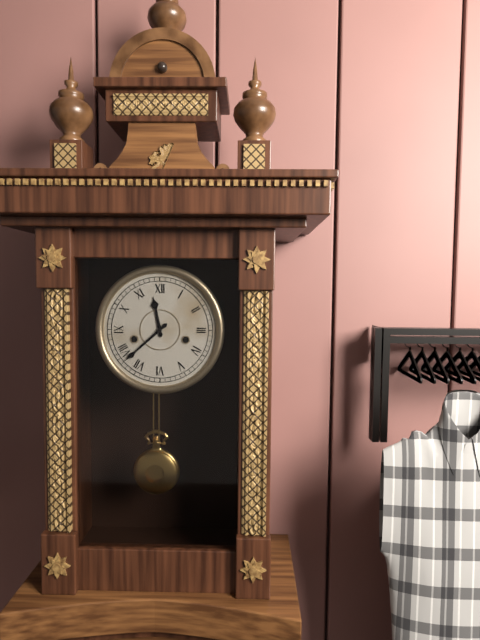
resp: 11h38
